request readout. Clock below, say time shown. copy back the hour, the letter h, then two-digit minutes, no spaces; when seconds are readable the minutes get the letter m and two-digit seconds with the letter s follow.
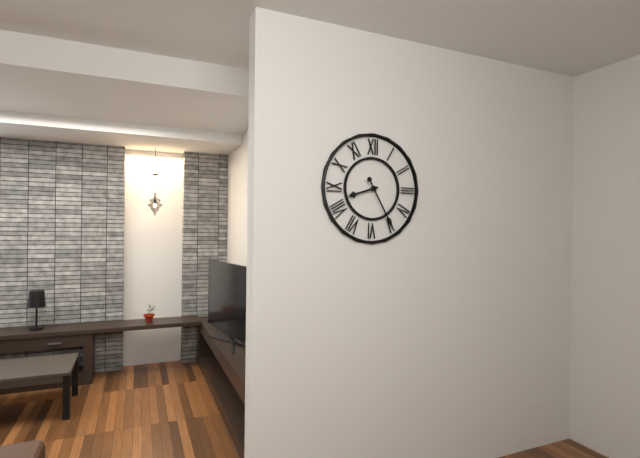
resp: 8h25
